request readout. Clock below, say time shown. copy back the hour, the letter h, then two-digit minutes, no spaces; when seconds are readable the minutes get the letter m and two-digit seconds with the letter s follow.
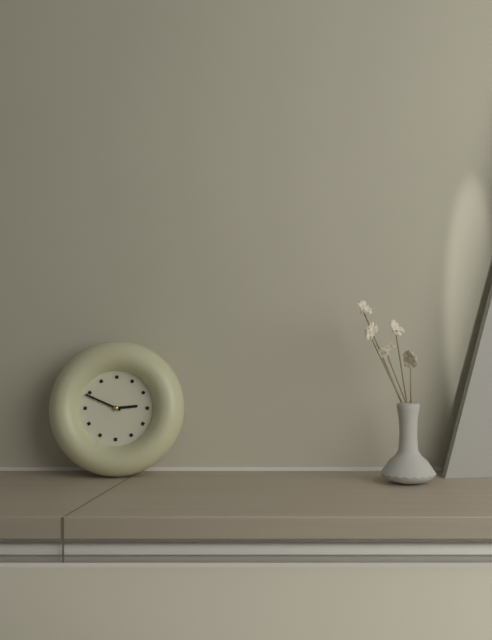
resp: 2h49
